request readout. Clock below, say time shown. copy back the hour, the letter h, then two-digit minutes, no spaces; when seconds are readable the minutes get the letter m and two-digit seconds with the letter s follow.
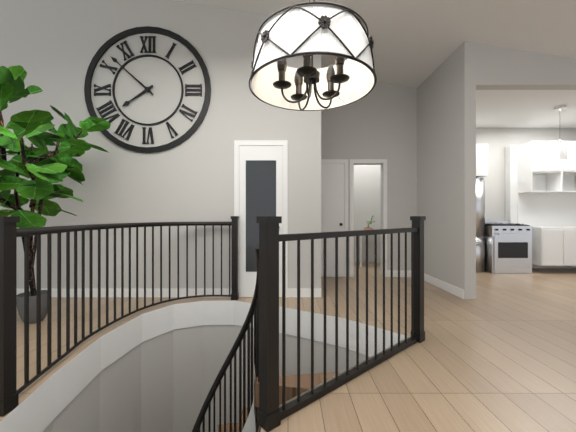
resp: 7h52
